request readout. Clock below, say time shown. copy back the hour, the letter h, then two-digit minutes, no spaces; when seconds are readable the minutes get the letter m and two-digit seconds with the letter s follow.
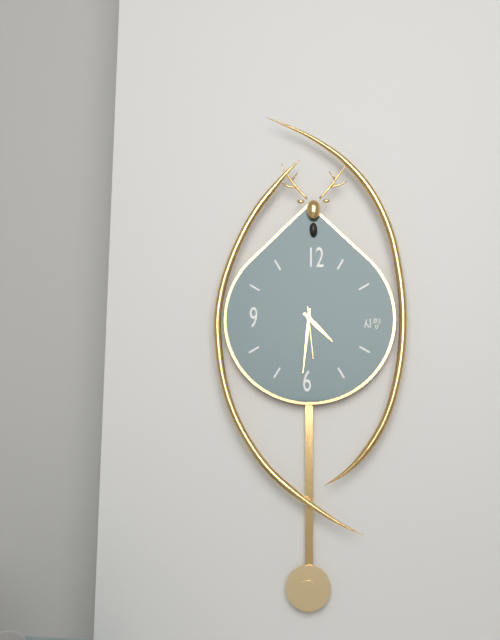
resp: 4h31
